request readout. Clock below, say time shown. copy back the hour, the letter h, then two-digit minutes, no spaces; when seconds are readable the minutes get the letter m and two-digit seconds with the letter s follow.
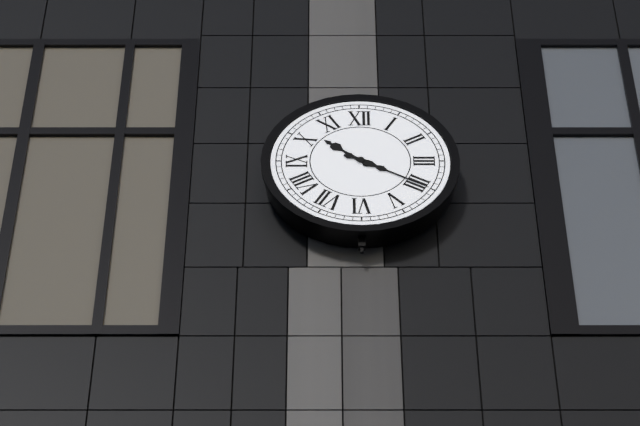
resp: 10h20
